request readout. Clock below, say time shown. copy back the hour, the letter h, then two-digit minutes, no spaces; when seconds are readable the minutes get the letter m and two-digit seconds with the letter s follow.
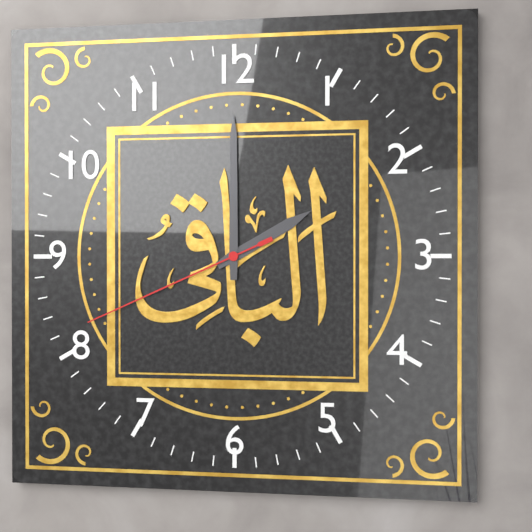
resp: 2h00m41s
